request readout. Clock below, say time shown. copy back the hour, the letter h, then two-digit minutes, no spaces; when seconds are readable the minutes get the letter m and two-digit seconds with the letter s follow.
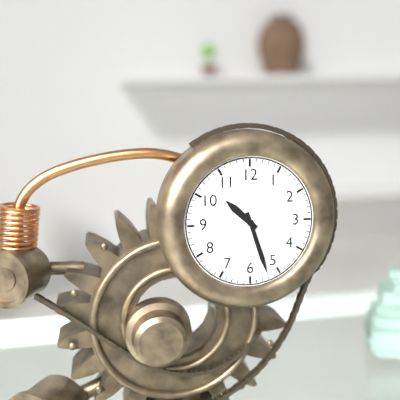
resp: 10h27
